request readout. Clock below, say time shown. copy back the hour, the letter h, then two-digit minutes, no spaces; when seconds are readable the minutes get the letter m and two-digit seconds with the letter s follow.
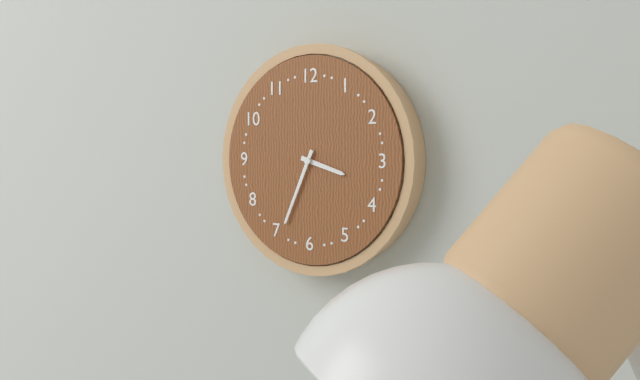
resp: 3h34
